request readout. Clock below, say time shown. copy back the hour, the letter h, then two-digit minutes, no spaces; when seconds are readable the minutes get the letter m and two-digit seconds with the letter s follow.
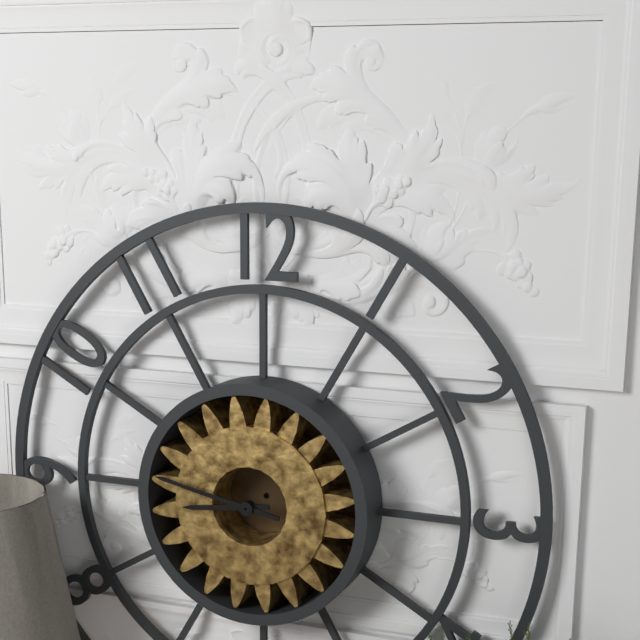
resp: 8h47
